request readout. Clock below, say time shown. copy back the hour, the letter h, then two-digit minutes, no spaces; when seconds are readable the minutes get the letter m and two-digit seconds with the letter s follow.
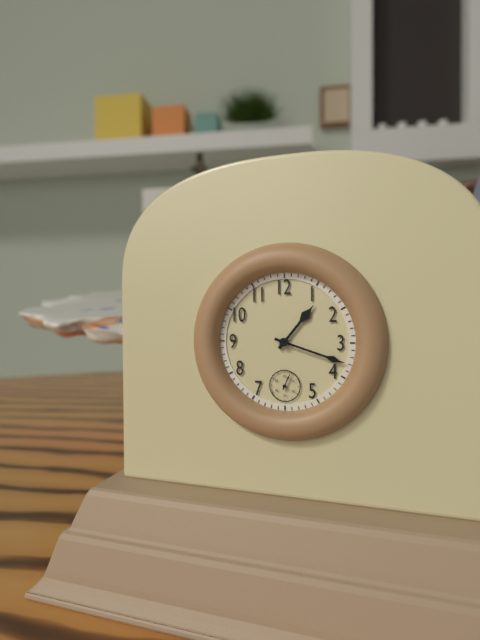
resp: 1h18
